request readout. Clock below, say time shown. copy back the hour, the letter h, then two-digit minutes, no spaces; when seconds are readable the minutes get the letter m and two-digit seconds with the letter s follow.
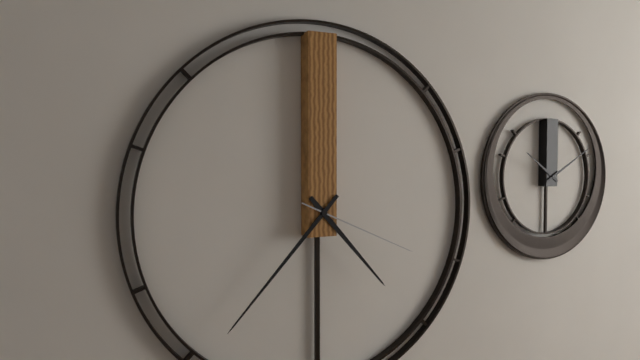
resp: 4h37m19s
